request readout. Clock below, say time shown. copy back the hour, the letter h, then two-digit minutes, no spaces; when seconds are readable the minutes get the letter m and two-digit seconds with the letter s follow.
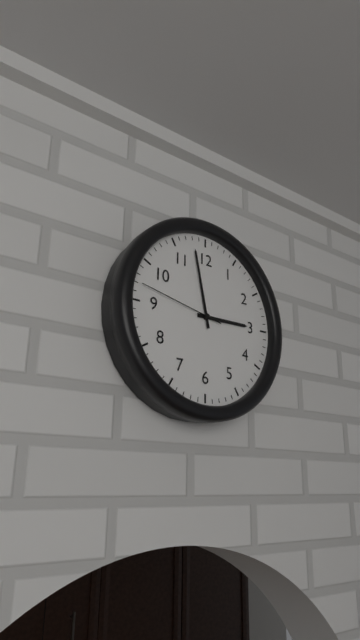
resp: 2h58m47s
